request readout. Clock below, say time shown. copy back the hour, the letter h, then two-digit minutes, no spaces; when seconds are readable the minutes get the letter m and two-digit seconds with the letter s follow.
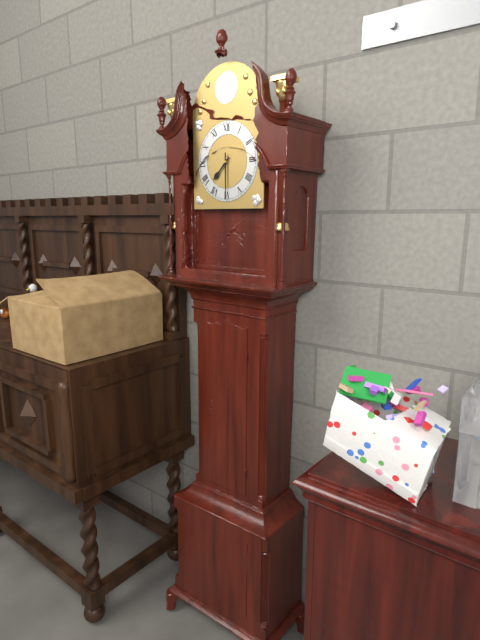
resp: 7h30
